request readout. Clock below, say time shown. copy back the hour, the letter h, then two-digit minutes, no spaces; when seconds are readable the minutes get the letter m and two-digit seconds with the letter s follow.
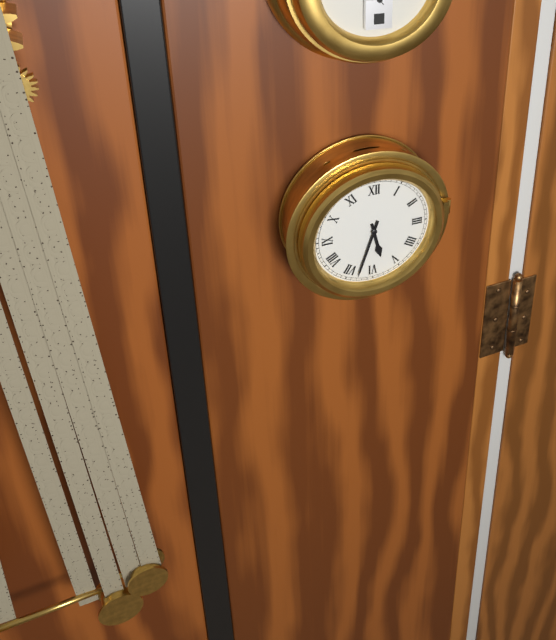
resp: 5h33
